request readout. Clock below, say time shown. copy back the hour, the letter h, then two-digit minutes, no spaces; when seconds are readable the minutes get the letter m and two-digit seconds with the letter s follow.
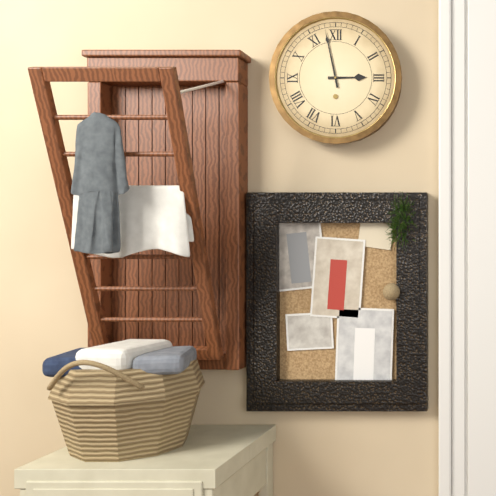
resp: 2h58
